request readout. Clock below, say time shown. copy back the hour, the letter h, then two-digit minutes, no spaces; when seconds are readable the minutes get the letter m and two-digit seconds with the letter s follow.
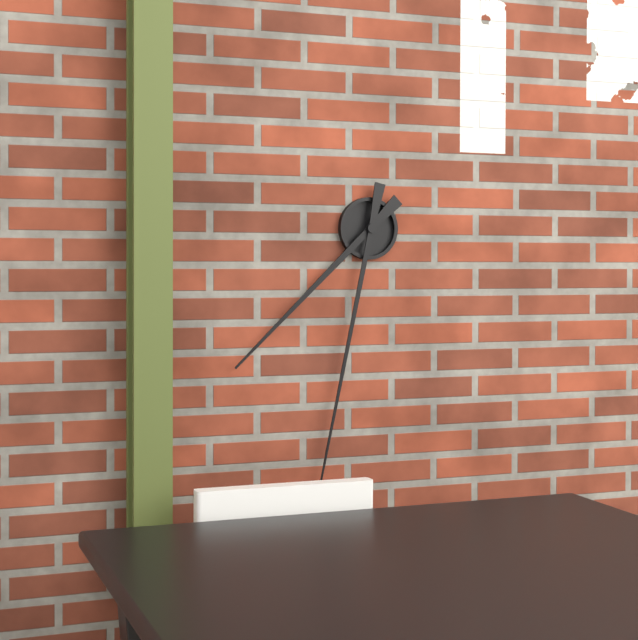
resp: 7h32
